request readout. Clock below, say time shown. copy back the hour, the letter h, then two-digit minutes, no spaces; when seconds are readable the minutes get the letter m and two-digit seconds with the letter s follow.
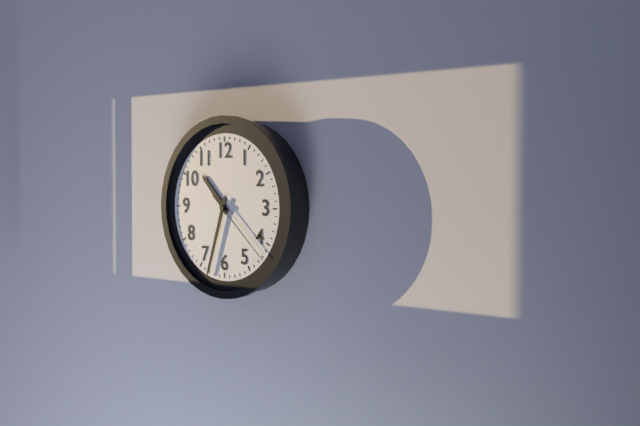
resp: 10h33m22s
